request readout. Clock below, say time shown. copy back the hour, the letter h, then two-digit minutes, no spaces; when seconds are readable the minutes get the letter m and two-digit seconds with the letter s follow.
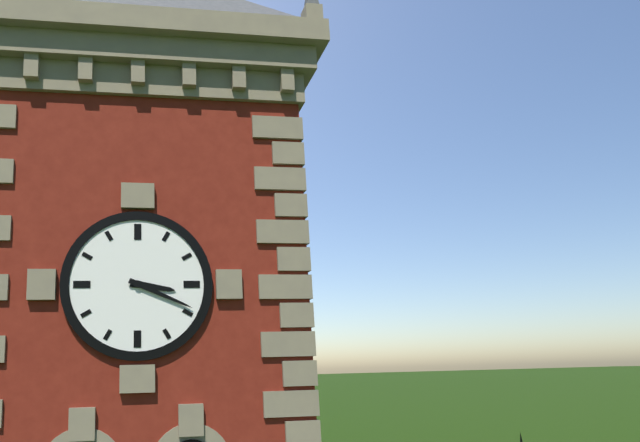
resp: 3h19
